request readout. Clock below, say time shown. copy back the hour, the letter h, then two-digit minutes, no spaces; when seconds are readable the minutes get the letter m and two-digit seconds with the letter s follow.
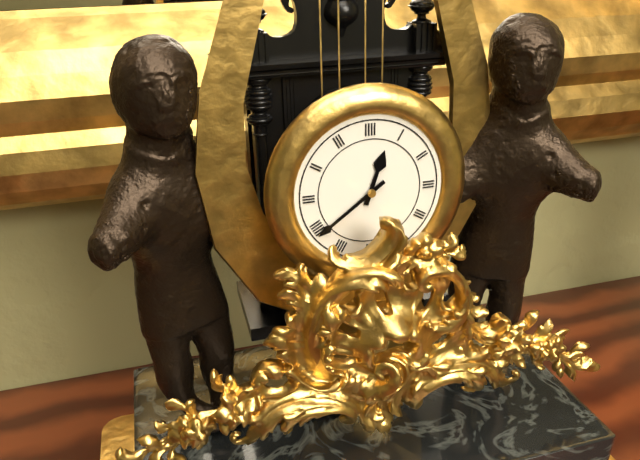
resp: 12h39
